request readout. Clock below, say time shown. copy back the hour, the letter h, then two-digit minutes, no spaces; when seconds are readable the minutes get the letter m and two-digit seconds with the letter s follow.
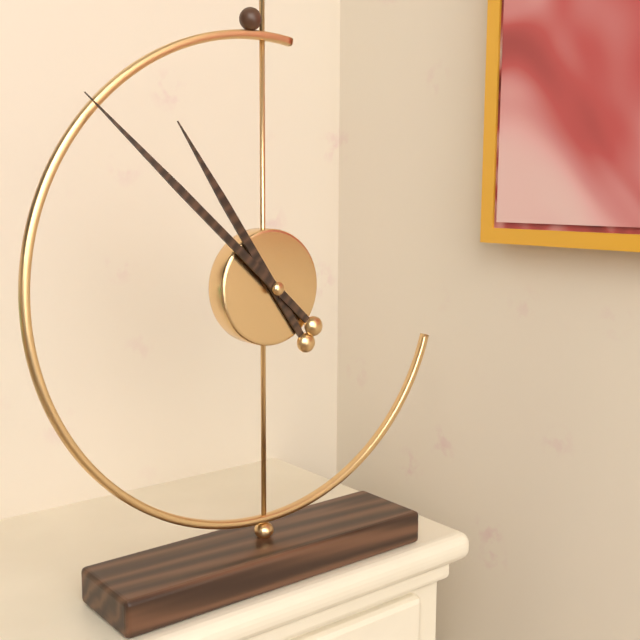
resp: 10h52
